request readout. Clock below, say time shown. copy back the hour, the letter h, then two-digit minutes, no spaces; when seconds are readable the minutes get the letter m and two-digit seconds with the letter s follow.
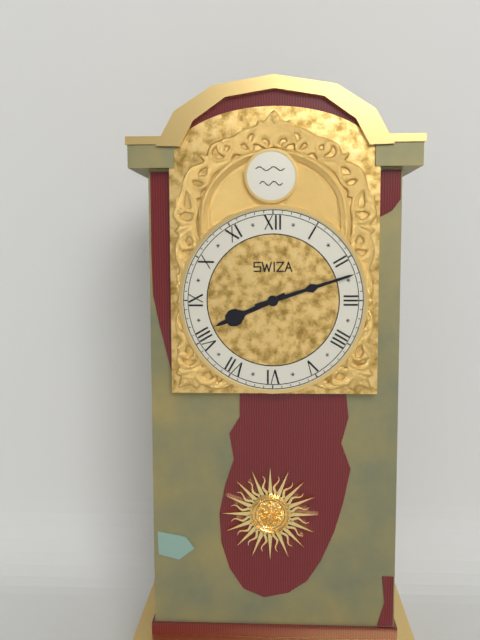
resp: 8h12
